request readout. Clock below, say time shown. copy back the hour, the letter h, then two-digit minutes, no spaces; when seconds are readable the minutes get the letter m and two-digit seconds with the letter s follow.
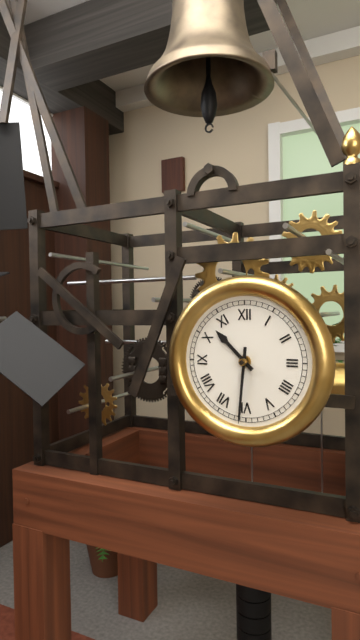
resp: 10h31
